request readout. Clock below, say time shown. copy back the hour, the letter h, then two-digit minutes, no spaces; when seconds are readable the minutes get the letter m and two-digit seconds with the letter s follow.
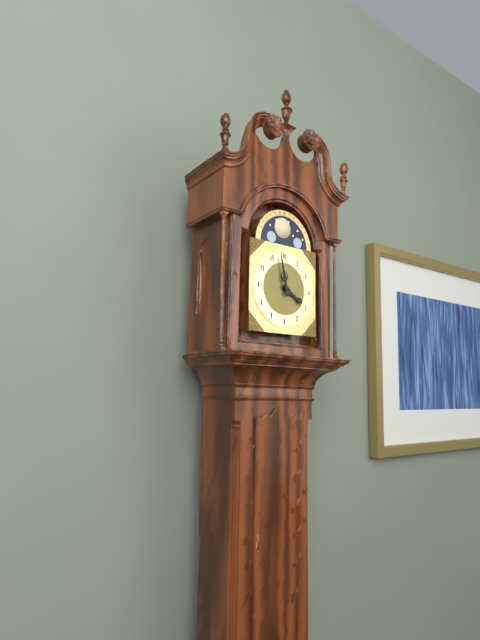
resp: 3h58
